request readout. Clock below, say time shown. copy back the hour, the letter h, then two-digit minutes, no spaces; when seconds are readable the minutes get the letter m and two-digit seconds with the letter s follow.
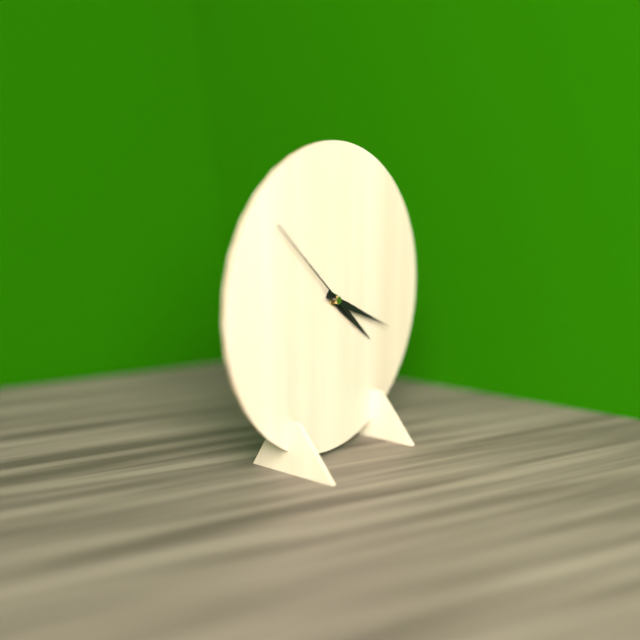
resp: 4h19m52s
